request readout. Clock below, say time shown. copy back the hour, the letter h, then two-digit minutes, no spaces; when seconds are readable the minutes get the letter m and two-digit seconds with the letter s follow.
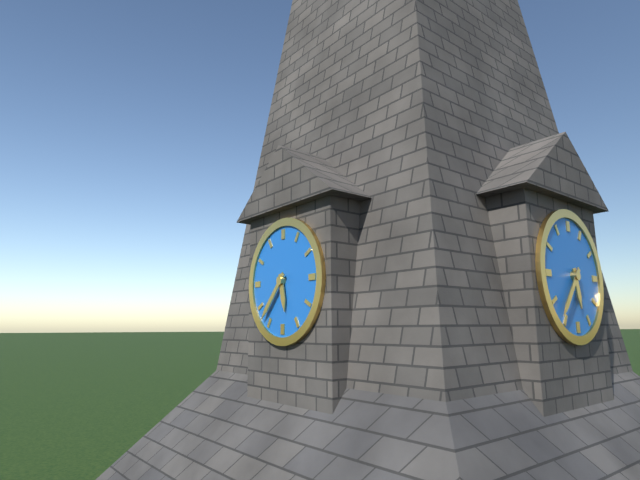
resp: 5h37
